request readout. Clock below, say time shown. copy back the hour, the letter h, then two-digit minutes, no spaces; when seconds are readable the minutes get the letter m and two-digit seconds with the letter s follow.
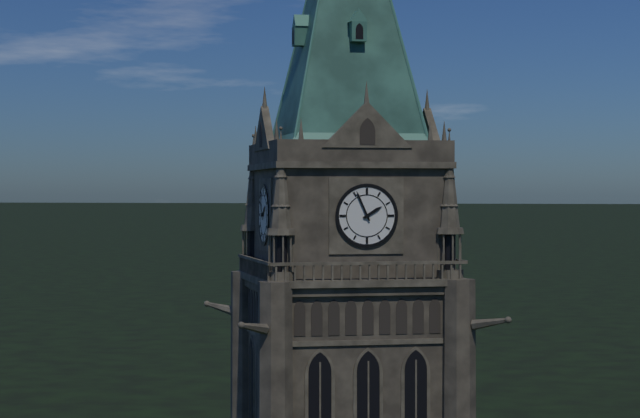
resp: 1h56
